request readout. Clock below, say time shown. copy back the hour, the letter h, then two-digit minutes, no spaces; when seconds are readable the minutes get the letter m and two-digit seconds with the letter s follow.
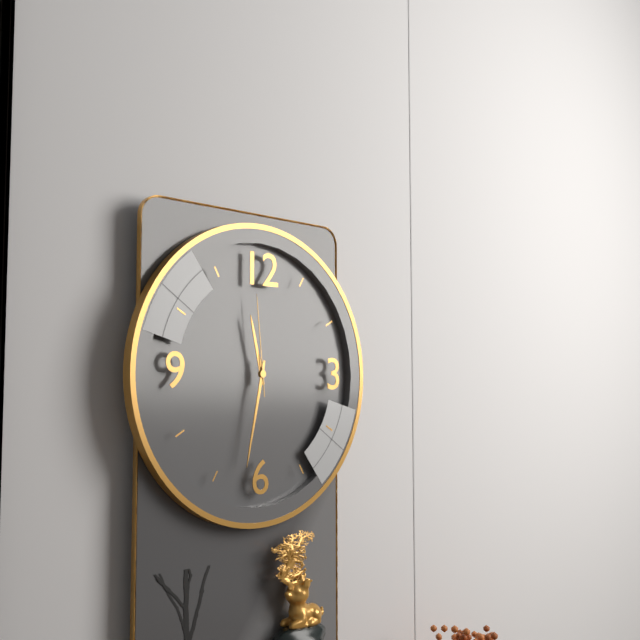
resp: 11h32m59s
